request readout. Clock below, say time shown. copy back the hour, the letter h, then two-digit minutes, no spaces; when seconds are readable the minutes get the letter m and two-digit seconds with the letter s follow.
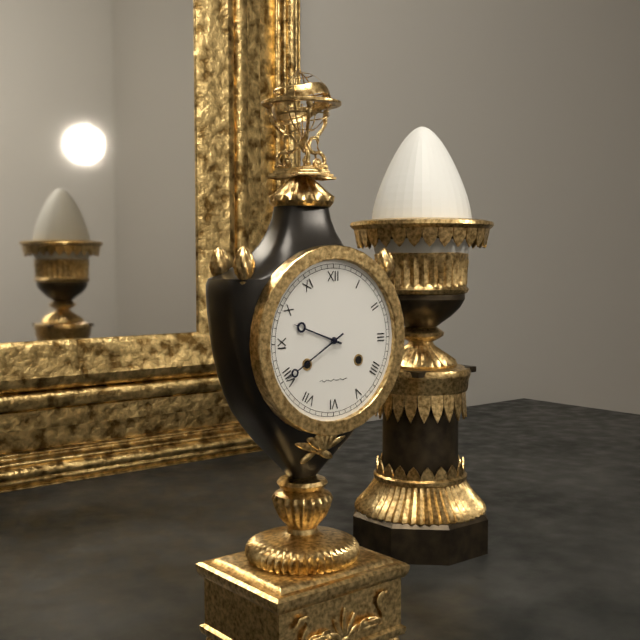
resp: 9h40
